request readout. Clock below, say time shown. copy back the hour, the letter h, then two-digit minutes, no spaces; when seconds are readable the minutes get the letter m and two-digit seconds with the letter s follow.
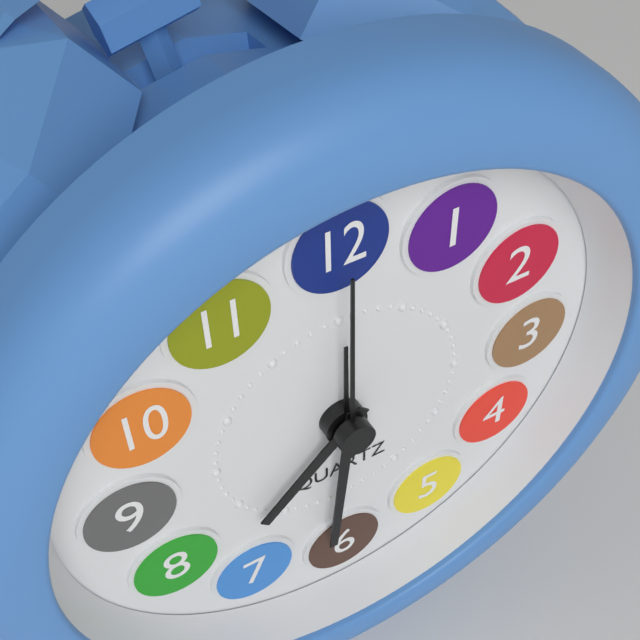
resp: 7h31m00s
